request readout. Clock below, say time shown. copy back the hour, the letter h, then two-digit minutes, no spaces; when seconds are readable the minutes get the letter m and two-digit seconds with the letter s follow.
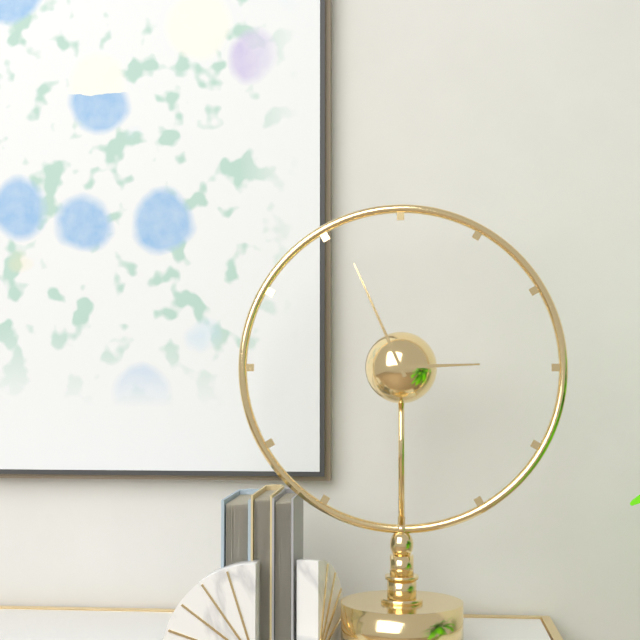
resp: 2h56
